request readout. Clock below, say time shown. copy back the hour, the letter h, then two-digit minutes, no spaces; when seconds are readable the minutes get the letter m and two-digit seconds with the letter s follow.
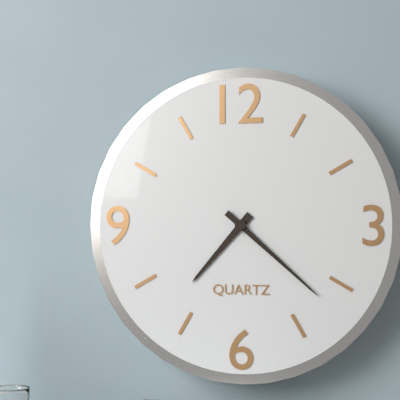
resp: 7h22
